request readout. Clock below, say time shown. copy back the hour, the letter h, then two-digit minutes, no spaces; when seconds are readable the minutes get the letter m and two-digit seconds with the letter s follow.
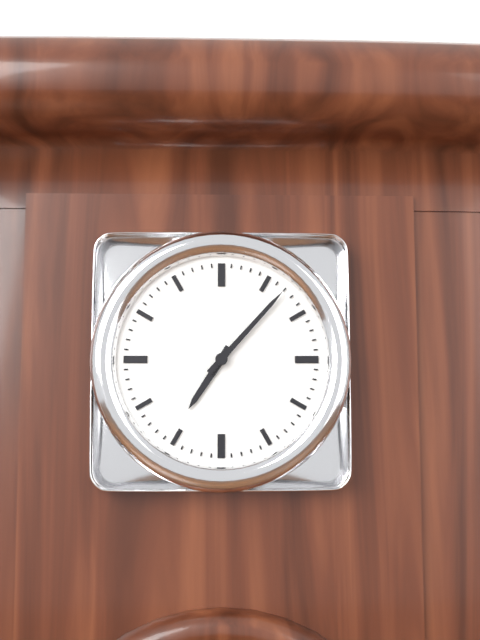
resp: 7h07
